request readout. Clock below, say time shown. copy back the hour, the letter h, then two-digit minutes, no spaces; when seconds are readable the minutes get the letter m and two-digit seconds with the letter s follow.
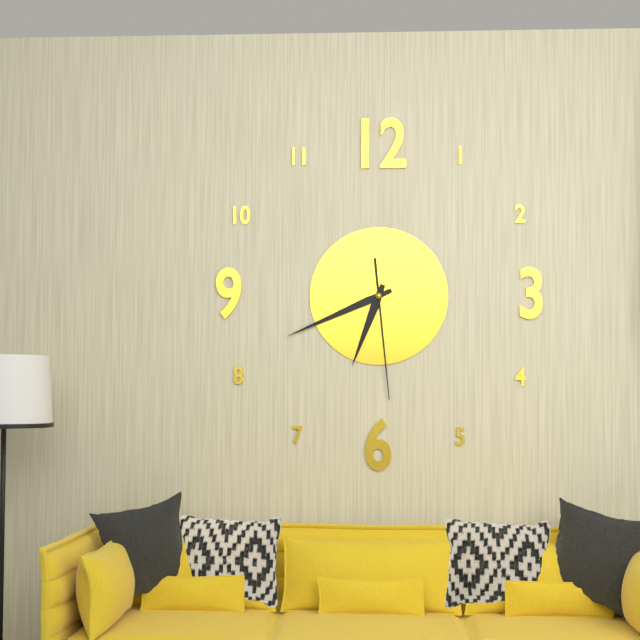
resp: 6h41m29s
